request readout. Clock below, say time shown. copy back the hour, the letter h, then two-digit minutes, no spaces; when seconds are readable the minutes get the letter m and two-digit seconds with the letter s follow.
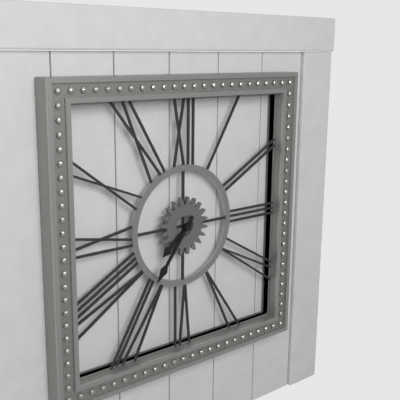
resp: 7h36
